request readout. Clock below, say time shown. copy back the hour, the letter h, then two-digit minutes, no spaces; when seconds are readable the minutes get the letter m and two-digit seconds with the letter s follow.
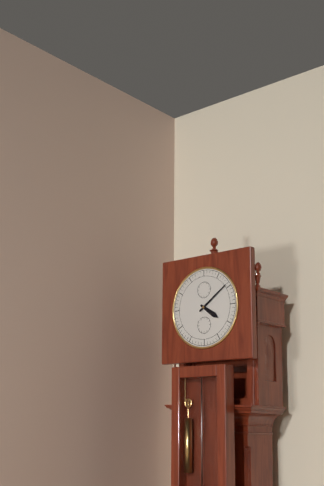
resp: 4h09
